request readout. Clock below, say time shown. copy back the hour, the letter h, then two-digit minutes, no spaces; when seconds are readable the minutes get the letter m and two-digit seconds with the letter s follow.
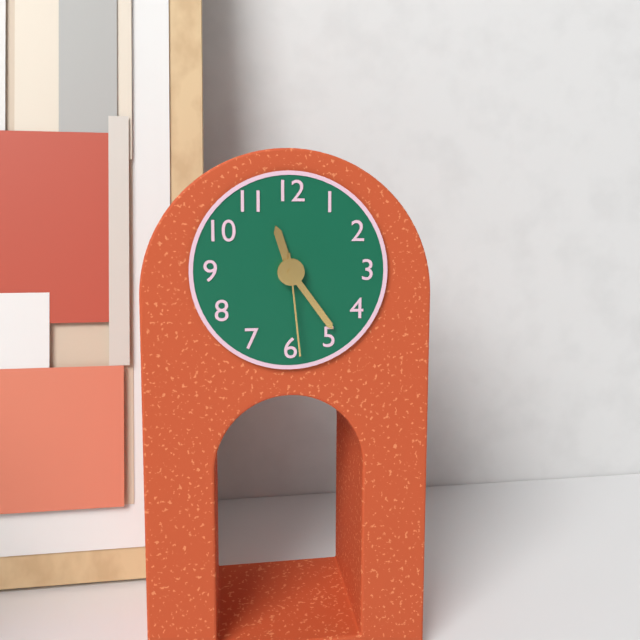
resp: 11h24m29s
